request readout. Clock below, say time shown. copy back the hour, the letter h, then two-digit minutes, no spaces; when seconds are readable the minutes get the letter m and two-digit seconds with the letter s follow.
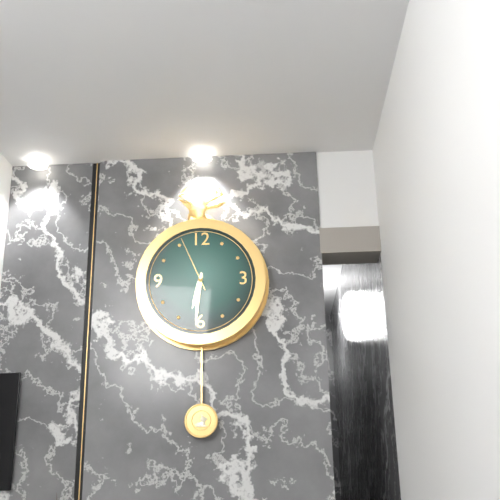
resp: 6h31m56s
